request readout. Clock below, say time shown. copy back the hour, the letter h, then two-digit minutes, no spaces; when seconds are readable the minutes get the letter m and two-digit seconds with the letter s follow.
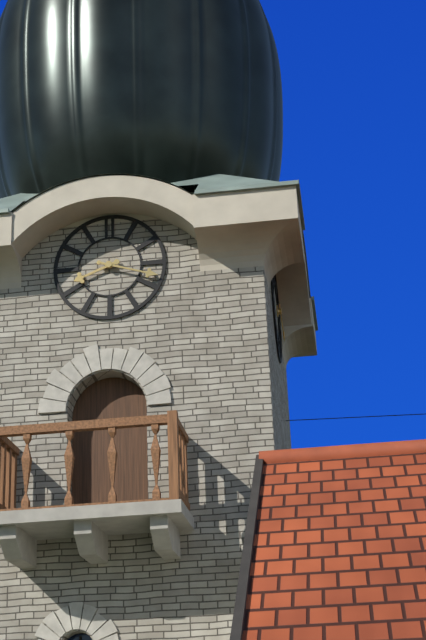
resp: 8h18
